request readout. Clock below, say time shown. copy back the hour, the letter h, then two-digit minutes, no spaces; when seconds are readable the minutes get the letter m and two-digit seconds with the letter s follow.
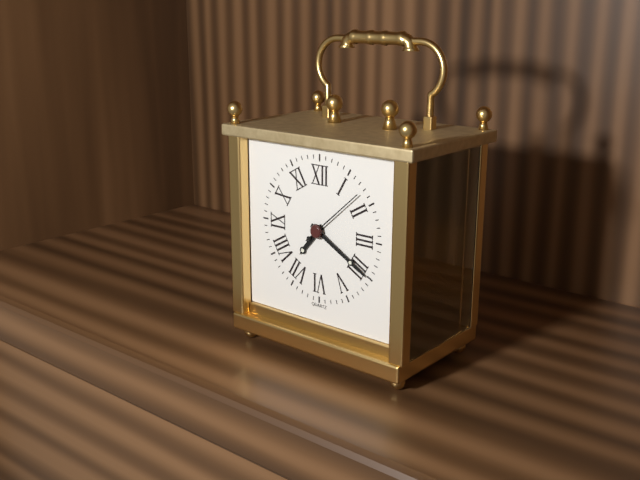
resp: 7h20m08s
